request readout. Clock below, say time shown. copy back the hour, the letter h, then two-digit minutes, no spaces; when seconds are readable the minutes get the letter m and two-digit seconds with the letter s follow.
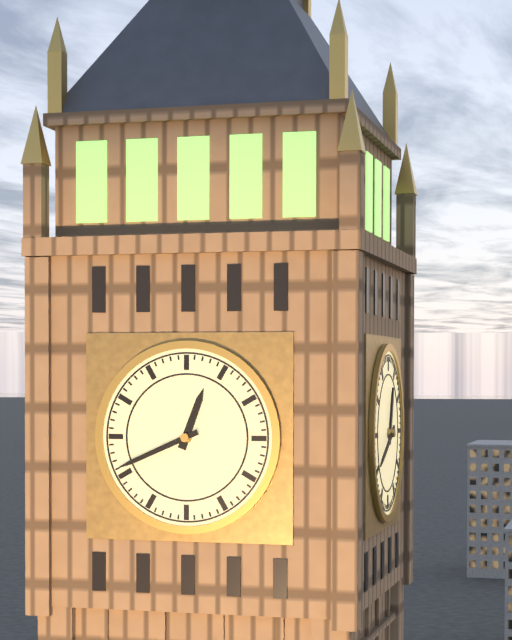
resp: 12h41
